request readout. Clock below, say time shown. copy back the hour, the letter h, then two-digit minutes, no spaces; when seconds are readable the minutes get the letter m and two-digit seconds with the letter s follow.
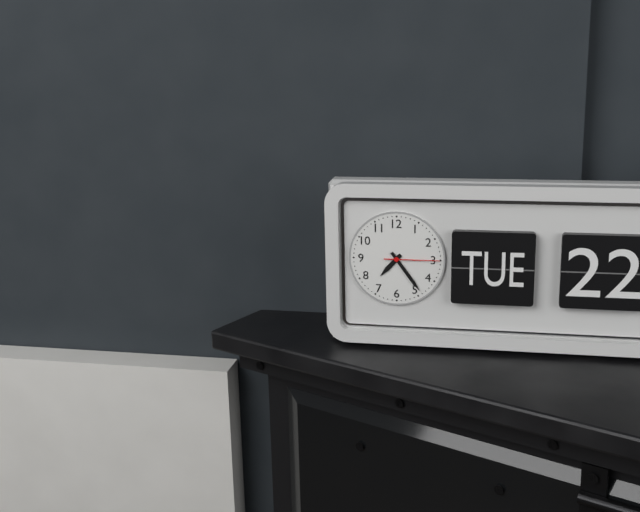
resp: 7h24m15s
